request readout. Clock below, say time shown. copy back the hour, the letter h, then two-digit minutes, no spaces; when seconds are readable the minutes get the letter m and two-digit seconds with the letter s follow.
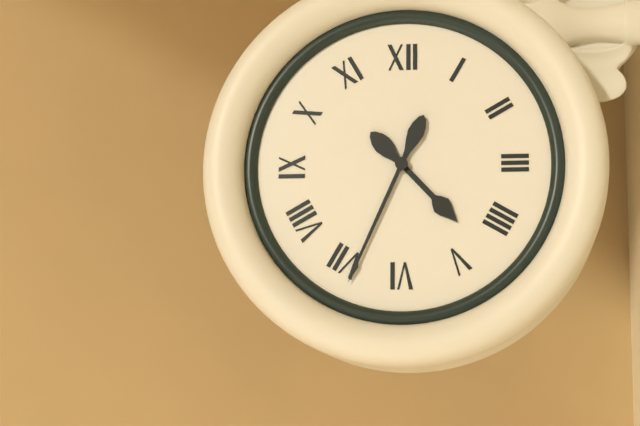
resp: 4h34
